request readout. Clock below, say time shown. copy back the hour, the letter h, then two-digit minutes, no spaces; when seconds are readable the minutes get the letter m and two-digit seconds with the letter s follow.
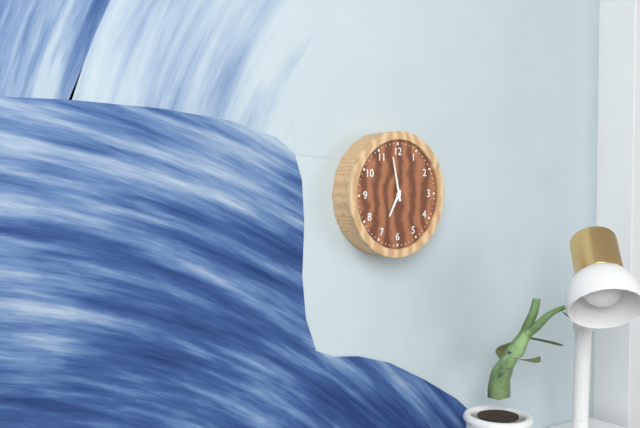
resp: 6h58
